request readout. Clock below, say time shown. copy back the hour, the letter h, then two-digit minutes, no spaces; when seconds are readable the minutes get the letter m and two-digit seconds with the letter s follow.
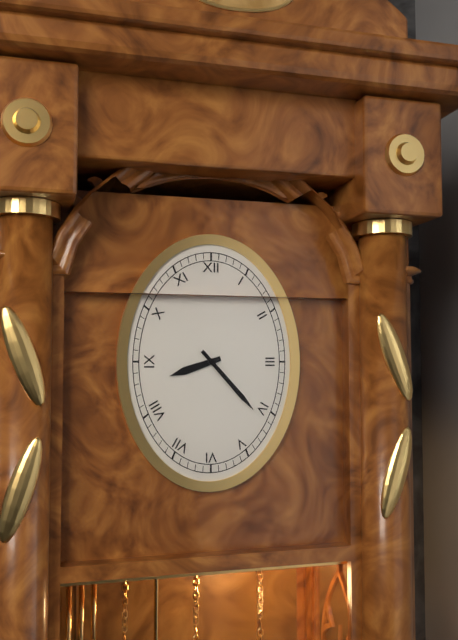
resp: 8h23
